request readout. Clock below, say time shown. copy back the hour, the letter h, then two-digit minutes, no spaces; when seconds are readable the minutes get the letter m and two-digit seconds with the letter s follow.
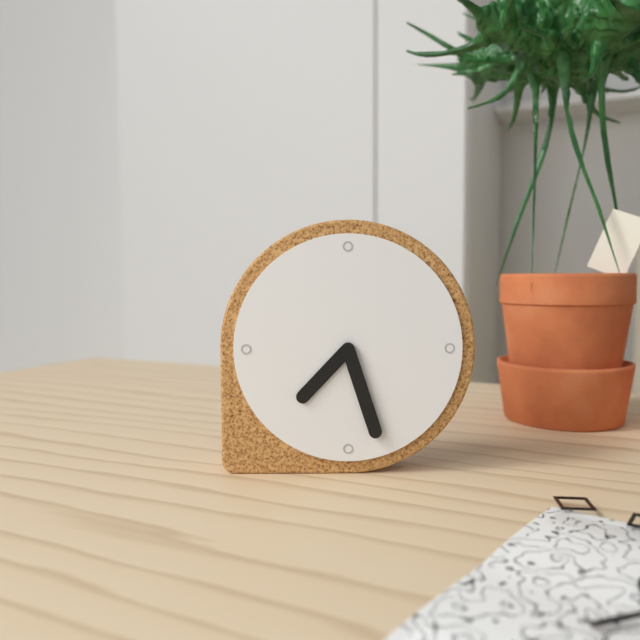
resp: 7h27
